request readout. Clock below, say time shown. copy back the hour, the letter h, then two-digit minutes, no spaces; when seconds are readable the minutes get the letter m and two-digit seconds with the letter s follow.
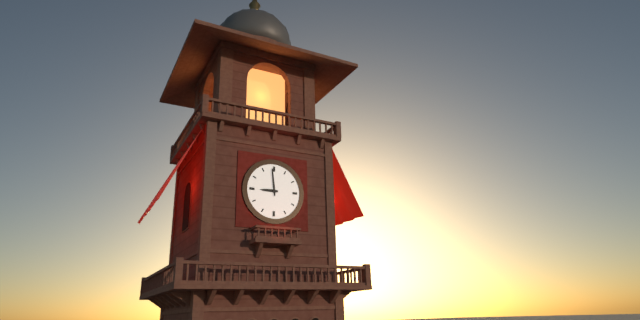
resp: 8h59
